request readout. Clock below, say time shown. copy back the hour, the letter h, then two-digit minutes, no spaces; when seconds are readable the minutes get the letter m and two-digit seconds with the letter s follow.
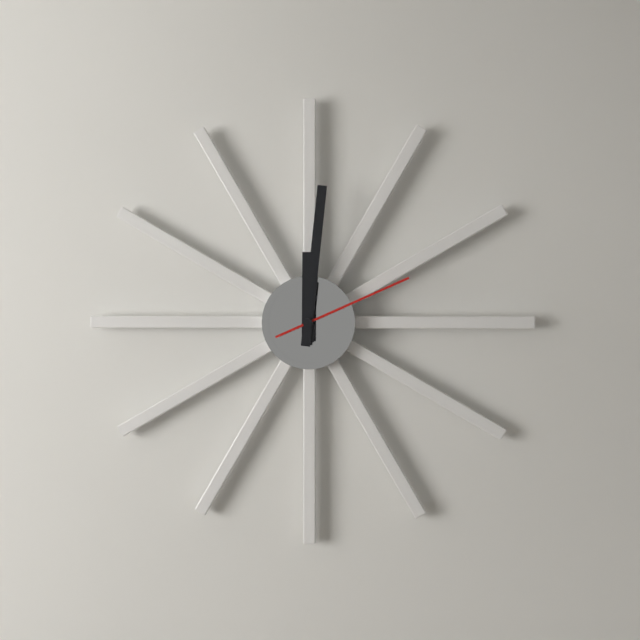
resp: 12h01m11s
